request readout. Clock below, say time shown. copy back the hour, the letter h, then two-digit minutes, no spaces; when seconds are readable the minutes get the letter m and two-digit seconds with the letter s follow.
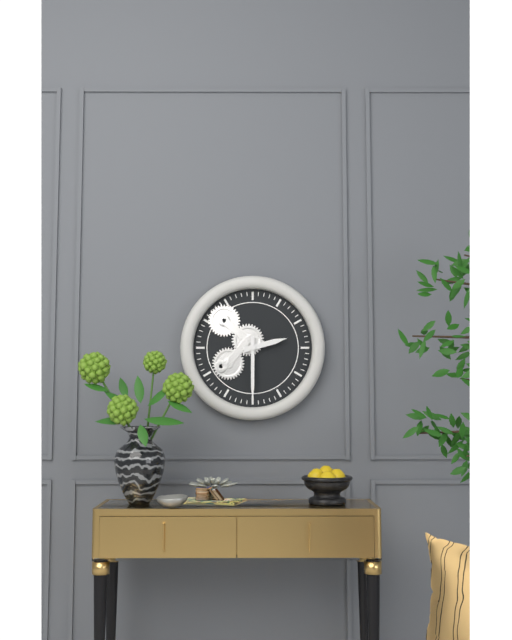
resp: 2h30
